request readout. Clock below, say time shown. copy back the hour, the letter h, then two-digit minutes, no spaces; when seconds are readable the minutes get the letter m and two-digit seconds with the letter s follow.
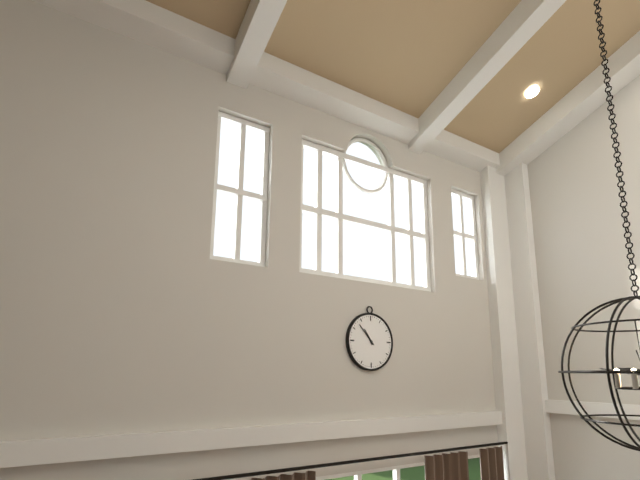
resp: 10h53
